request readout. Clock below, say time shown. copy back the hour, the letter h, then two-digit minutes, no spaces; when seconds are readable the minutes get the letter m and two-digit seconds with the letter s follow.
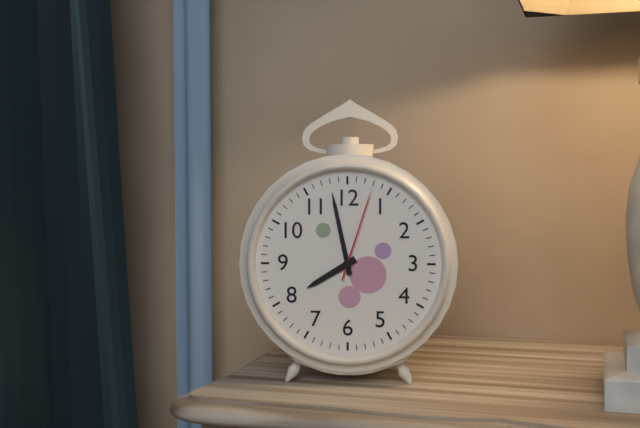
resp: 7h58m03s
